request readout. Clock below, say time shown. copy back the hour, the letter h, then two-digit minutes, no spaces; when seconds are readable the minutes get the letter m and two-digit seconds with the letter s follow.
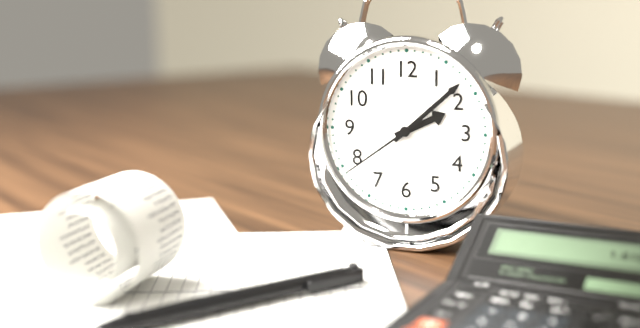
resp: 2h08m39s
